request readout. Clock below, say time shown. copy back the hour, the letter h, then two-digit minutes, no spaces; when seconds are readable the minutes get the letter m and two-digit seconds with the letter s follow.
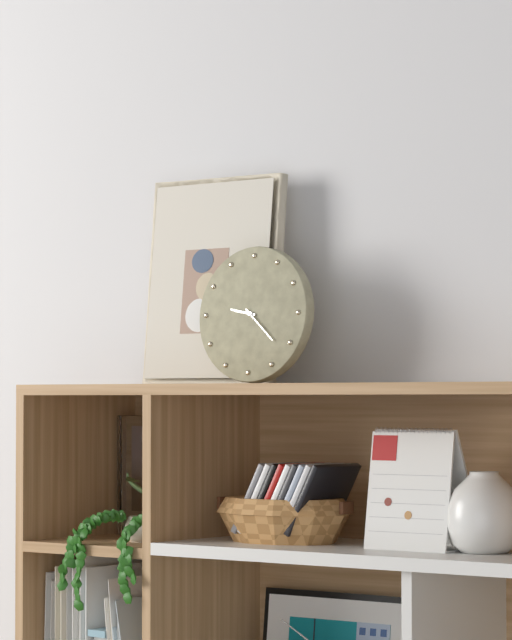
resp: 9h22
